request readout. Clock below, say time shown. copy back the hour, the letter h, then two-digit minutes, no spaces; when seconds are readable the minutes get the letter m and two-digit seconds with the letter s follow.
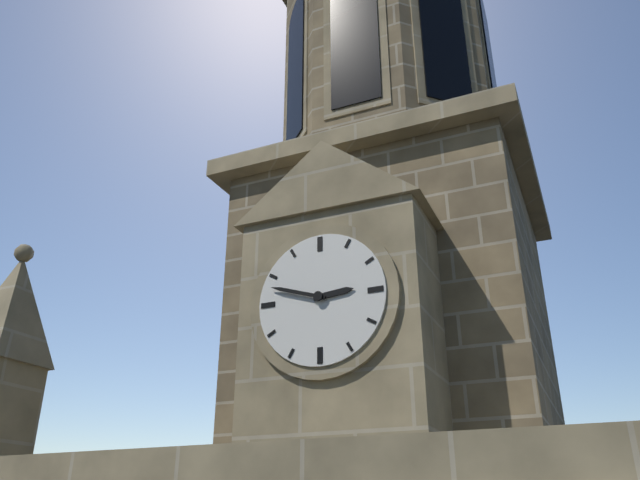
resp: 2h48
